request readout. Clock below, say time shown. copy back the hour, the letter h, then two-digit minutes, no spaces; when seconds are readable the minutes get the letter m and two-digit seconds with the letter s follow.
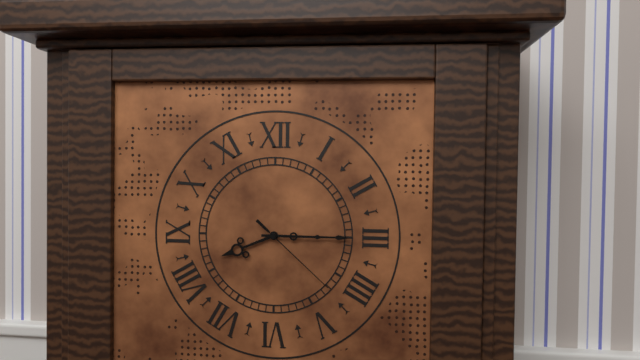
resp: 8h15m22s
